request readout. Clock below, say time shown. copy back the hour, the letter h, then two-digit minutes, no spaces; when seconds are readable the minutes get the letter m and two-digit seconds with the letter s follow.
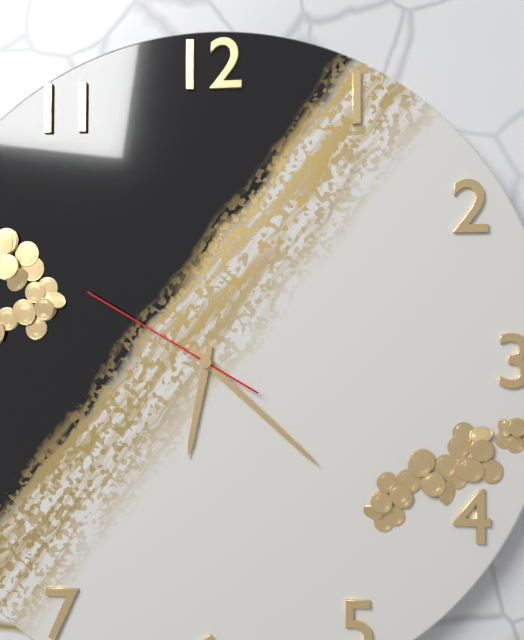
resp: 6h22m50s
